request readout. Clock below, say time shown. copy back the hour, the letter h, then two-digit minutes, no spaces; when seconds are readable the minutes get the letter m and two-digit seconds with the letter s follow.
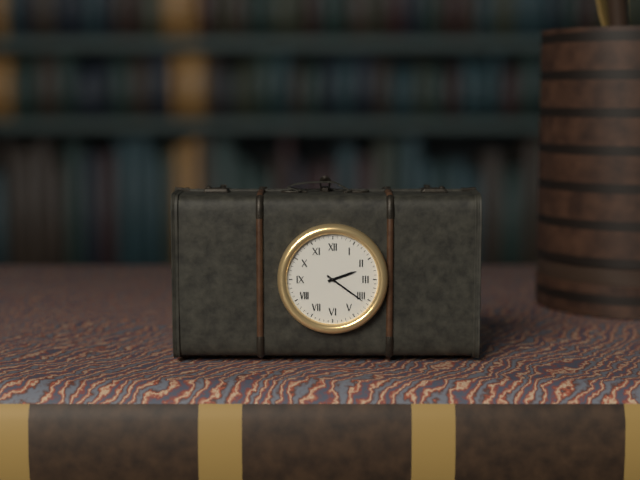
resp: 2h21
